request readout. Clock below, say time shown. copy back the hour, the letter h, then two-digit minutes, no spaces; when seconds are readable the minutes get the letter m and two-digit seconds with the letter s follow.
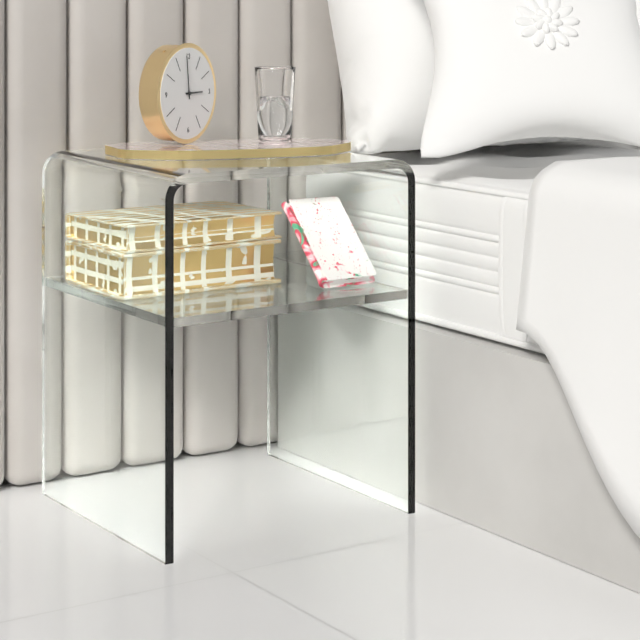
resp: 2h59
